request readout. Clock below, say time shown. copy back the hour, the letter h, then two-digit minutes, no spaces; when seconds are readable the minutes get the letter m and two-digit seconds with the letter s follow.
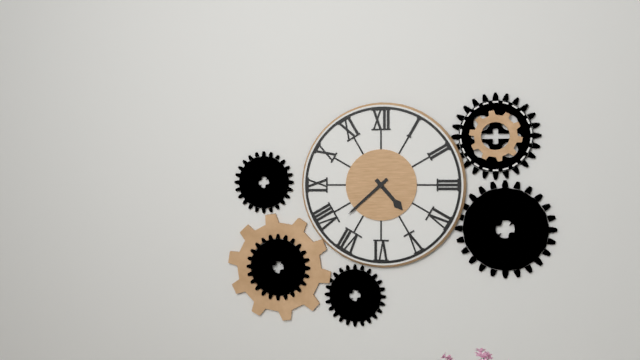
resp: 4h38
